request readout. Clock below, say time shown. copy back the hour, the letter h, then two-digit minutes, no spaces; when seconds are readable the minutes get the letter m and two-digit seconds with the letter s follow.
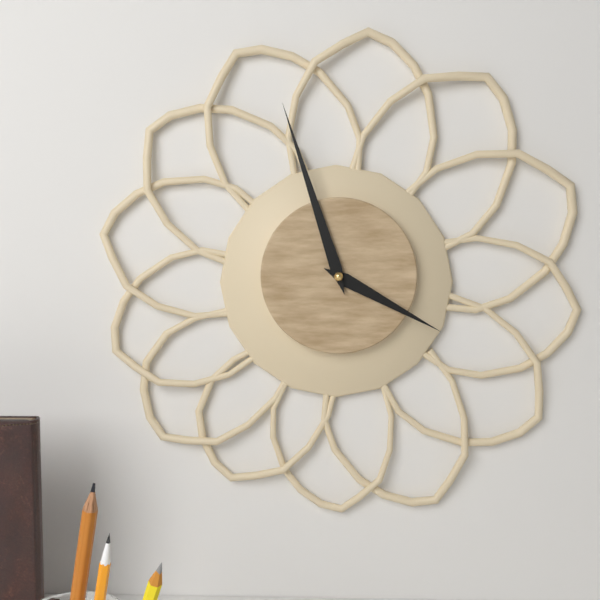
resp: 3h57
